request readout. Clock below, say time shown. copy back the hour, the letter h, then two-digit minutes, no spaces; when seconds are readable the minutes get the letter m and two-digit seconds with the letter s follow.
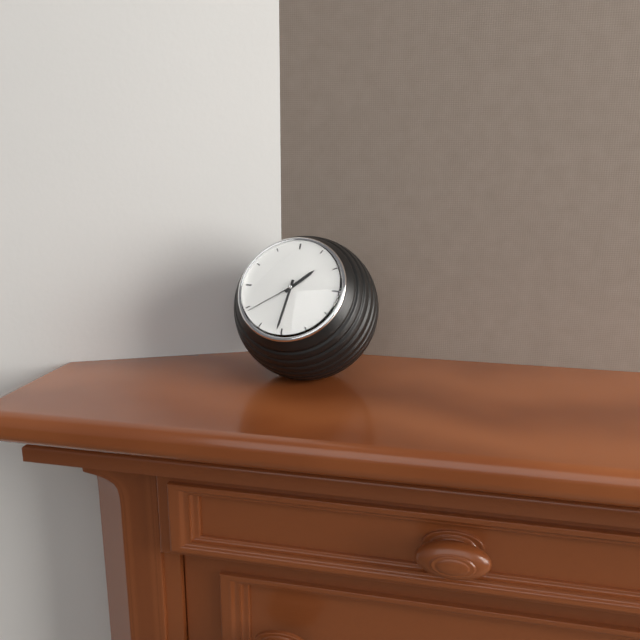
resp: 1h31m39s
